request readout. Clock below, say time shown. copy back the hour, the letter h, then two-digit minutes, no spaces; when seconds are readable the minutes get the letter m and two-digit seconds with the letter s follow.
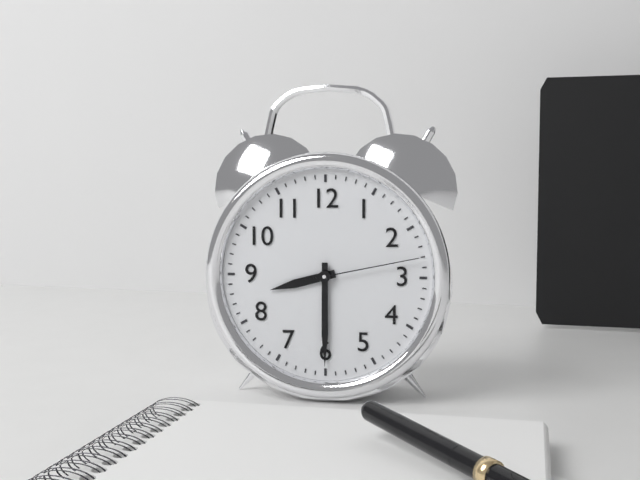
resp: 8h30m13s
